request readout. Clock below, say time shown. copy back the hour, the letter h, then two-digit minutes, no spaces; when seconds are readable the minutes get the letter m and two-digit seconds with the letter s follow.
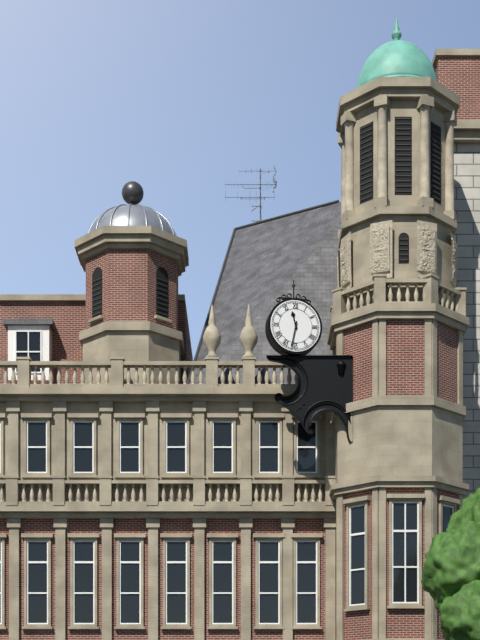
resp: 11h32
